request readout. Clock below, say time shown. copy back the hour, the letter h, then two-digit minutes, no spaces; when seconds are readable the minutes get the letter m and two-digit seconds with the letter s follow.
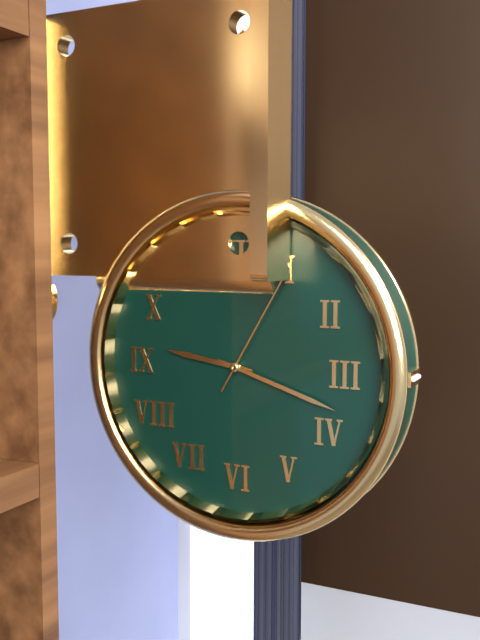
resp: 9h18m05s
